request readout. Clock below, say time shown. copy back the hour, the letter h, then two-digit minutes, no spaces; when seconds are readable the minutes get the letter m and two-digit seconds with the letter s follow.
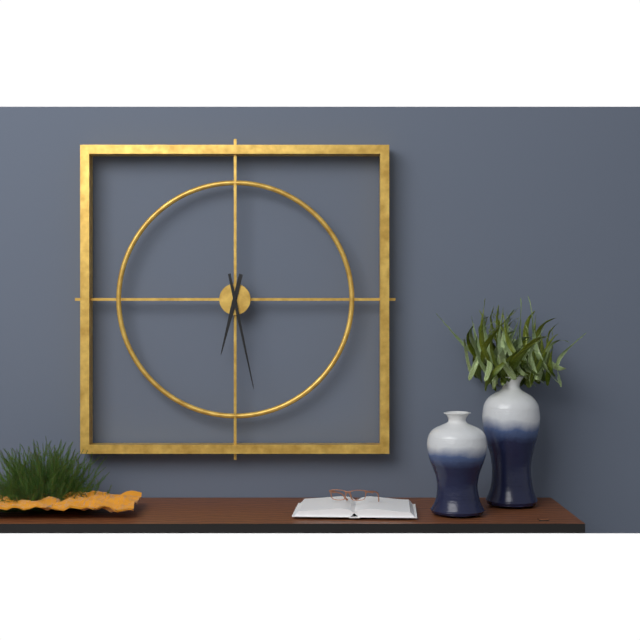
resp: 6h28
